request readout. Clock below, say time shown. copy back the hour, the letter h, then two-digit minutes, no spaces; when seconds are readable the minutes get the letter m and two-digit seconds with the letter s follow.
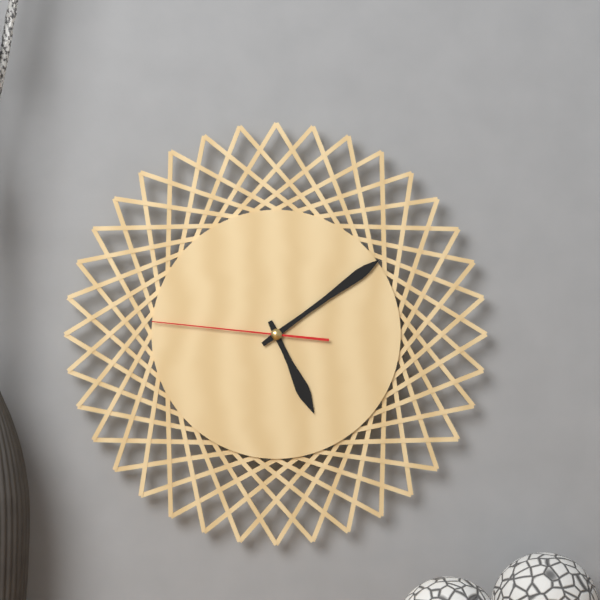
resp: 5h09m46s
